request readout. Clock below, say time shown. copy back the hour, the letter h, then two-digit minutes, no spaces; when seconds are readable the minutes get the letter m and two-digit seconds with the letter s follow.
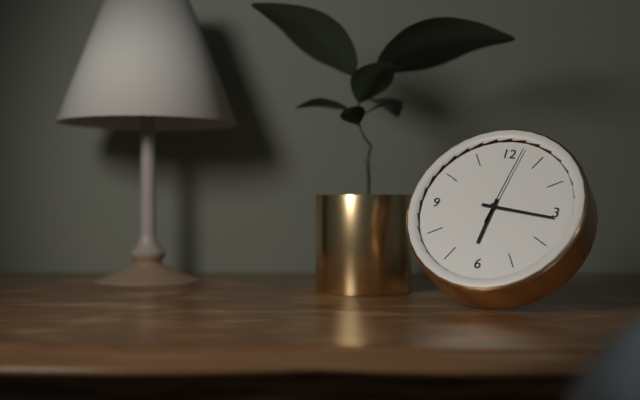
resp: 6h16m02s
